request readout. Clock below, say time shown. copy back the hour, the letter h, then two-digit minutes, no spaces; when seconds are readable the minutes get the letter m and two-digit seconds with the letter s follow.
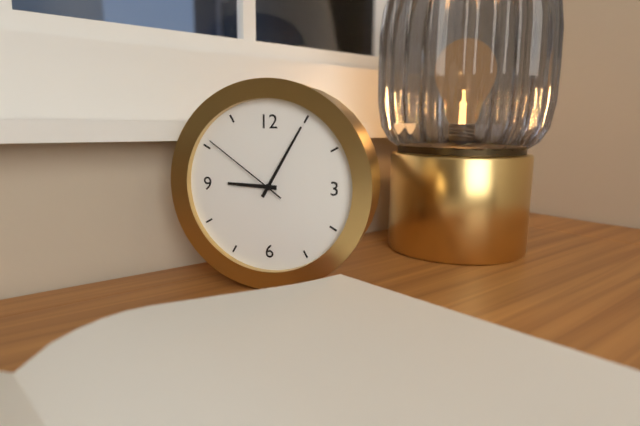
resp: 9h05m51s
